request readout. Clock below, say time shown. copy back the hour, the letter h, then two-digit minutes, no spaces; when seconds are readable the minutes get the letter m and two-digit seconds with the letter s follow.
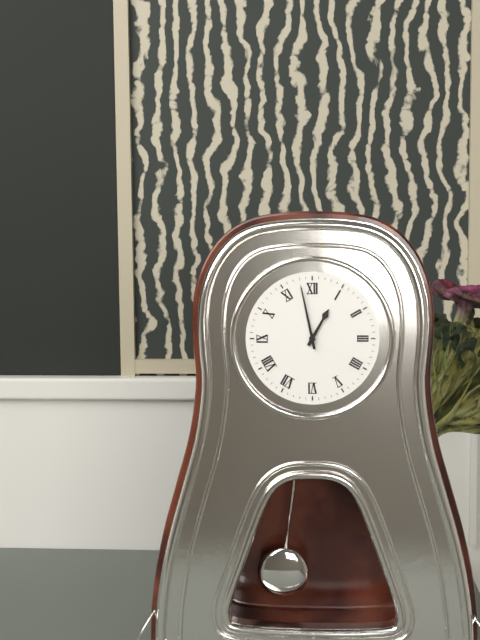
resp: 12h58
